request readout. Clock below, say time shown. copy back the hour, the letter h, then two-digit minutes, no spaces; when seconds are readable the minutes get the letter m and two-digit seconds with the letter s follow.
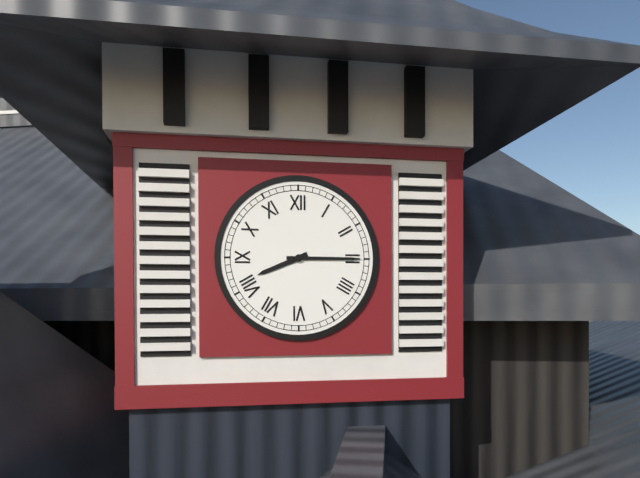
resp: 8h15
